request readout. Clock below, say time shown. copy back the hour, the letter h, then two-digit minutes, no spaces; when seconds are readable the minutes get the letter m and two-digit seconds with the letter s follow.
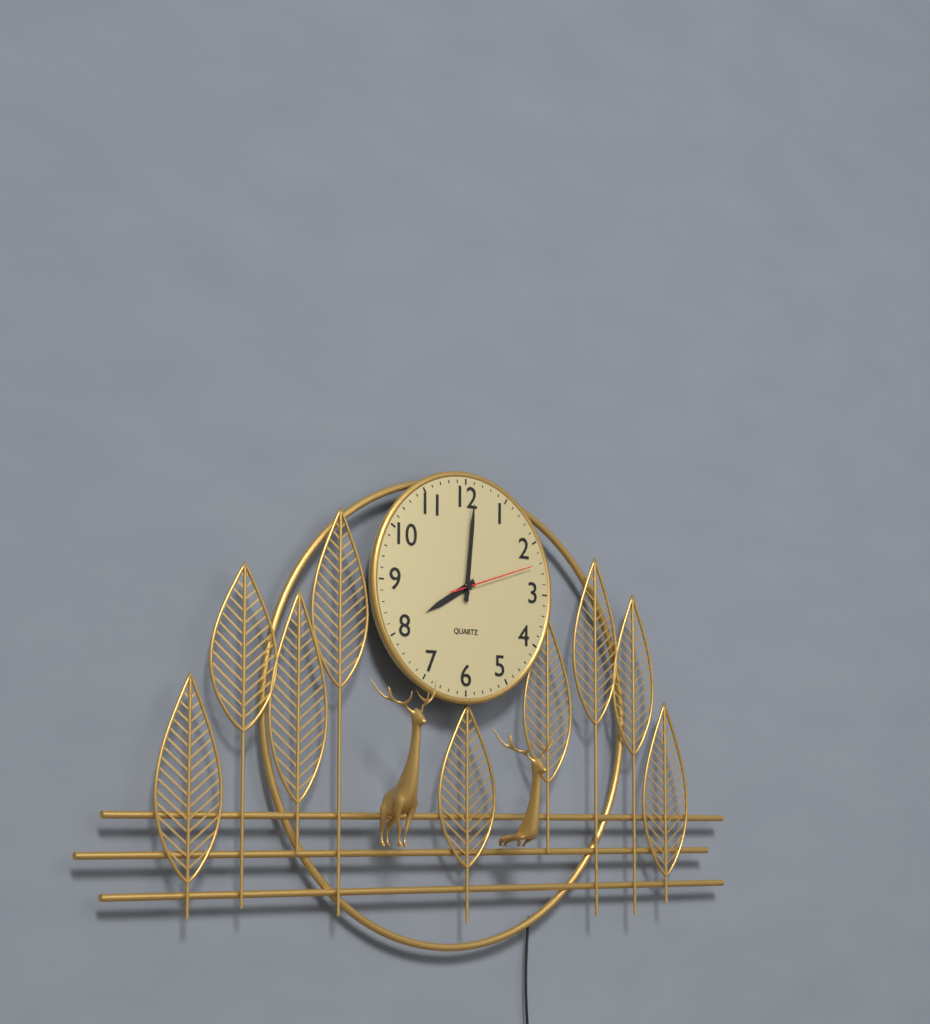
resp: 8h01m12s
